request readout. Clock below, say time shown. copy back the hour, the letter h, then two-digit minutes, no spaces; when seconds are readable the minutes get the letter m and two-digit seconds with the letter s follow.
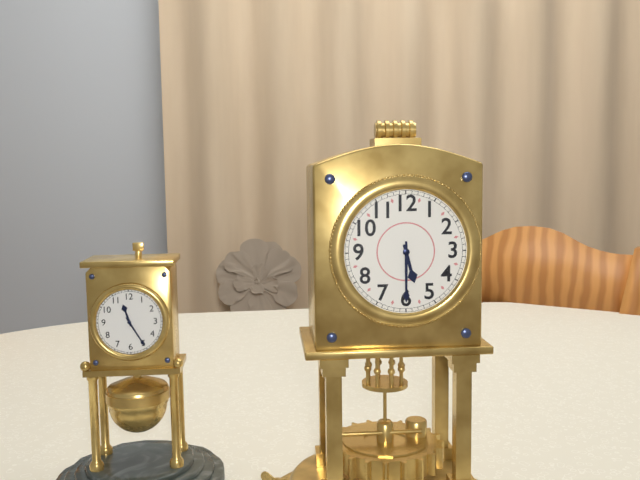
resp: 5h30
